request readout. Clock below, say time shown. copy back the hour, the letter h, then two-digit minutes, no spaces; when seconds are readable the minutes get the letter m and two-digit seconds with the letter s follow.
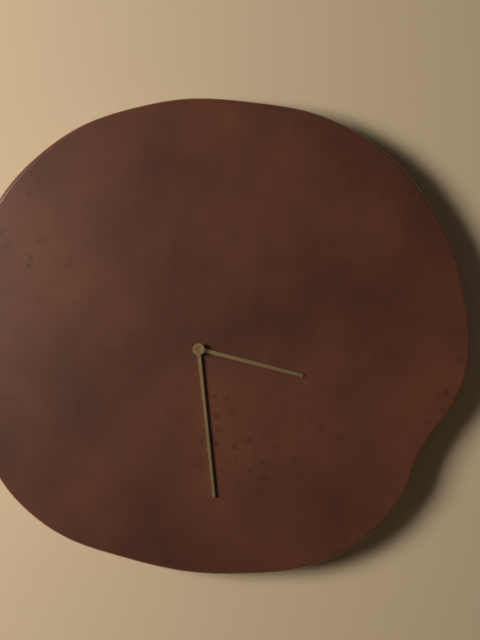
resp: 3h29
